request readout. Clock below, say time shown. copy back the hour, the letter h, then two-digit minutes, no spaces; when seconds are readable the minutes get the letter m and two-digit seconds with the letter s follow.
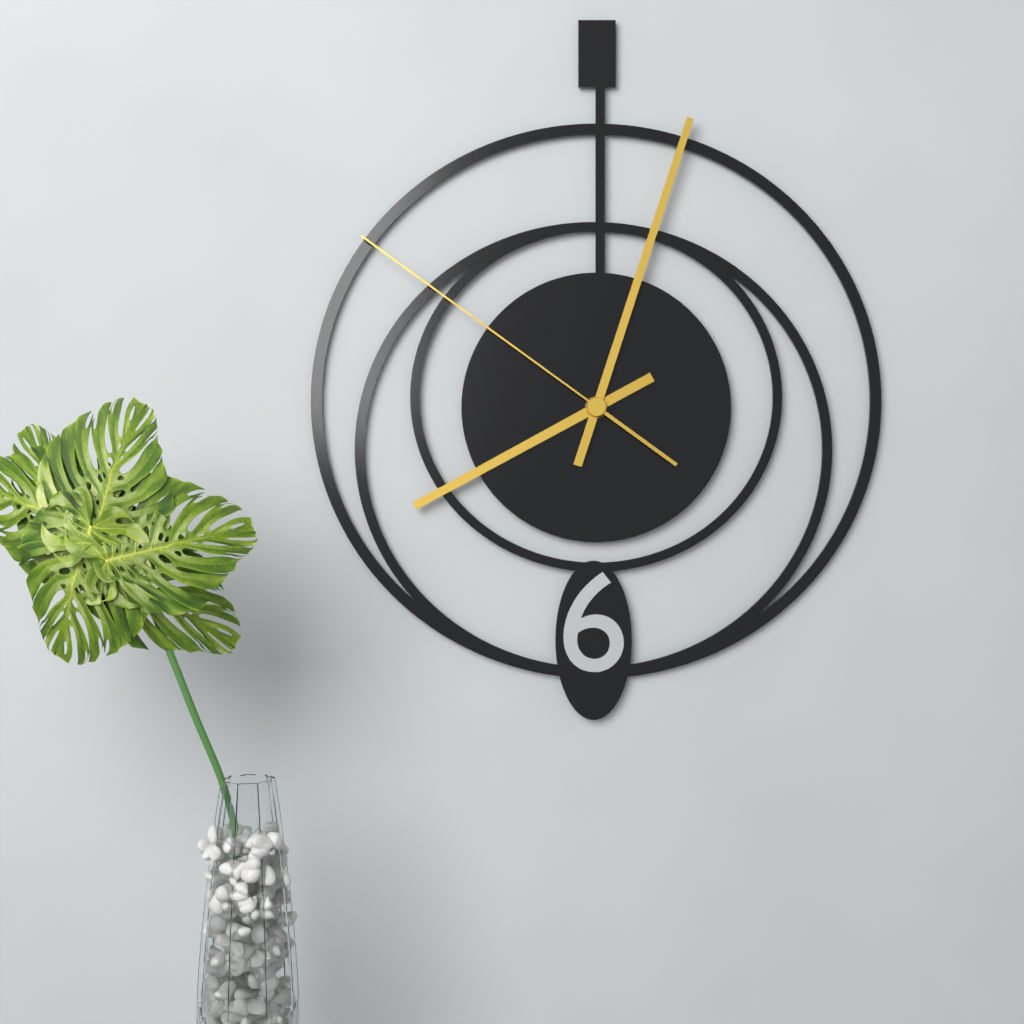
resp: 8h03m51s
